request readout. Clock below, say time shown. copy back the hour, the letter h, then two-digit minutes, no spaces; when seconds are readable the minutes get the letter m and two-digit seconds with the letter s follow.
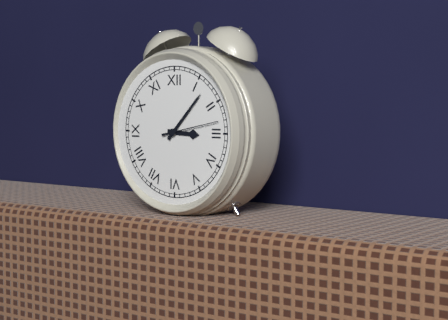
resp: 3h07m13s
